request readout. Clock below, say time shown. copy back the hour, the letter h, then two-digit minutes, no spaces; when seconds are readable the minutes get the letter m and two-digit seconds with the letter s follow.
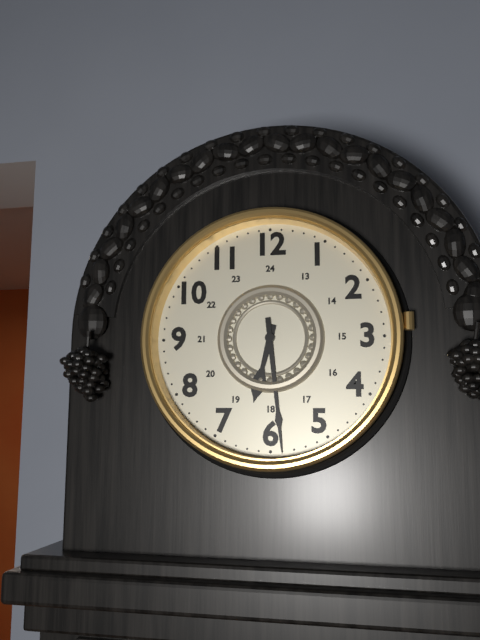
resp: 6h29
